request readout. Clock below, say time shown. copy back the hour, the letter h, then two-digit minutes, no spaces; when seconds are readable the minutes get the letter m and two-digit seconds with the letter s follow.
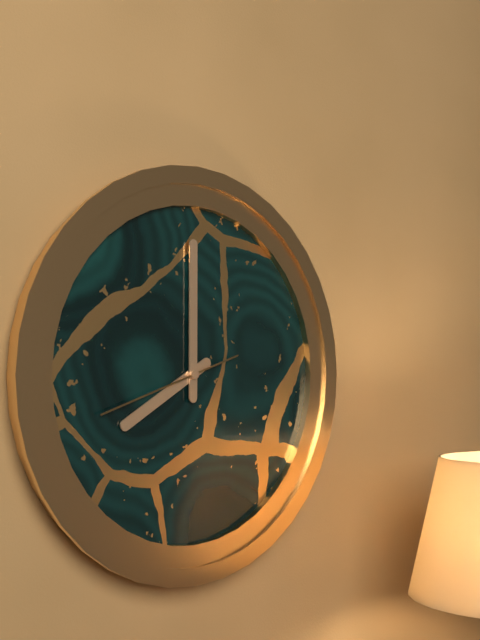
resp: 8h00m42s
